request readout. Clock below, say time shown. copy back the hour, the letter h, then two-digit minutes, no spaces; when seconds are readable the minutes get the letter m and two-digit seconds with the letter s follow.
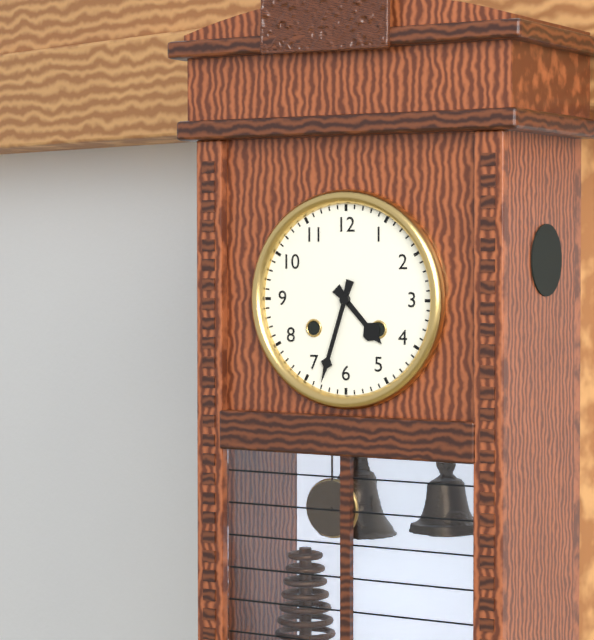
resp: 4h33
